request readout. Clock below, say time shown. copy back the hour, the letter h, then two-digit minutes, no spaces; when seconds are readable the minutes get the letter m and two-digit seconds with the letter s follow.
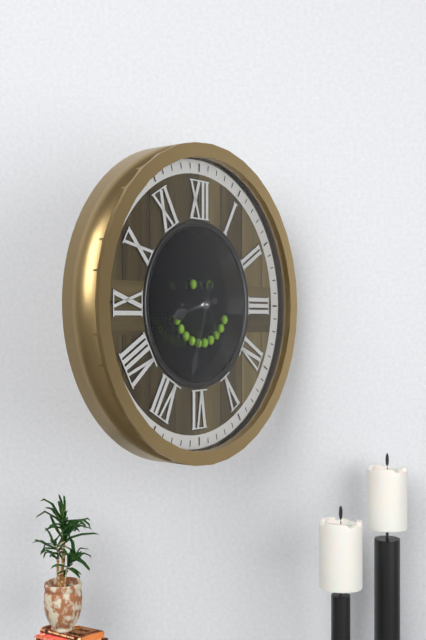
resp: 8h33m25s
